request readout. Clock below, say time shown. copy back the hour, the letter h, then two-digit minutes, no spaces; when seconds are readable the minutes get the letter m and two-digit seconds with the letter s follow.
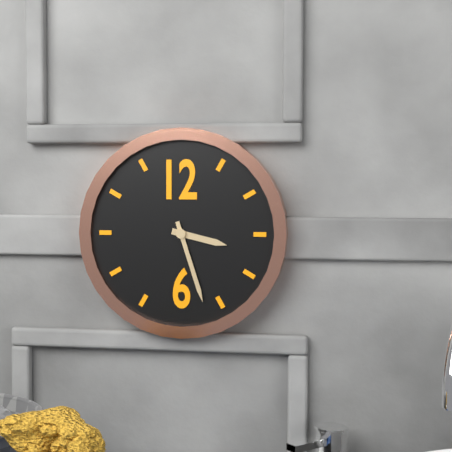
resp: 3h27
